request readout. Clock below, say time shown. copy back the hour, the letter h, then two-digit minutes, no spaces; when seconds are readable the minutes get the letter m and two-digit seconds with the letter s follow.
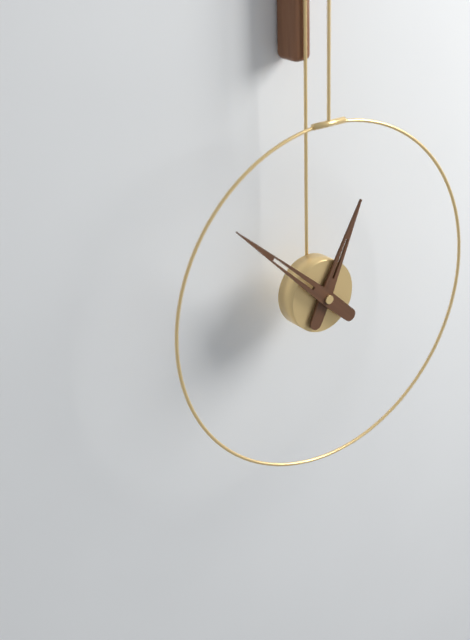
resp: 12h52
